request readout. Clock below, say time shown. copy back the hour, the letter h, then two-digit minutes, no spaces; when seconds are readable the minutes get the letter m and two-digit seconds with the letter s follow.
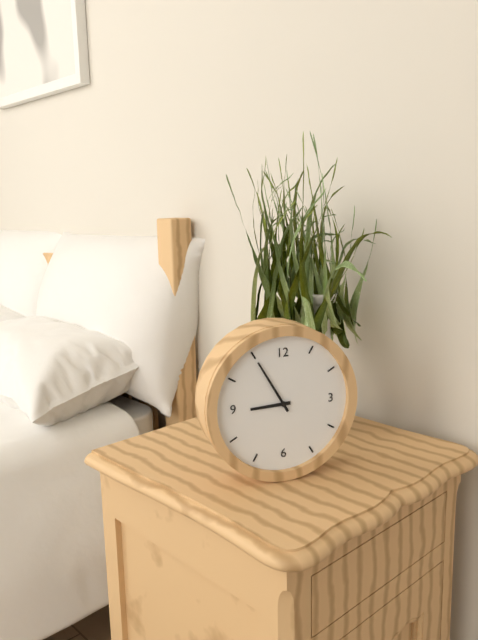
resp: 8h55
